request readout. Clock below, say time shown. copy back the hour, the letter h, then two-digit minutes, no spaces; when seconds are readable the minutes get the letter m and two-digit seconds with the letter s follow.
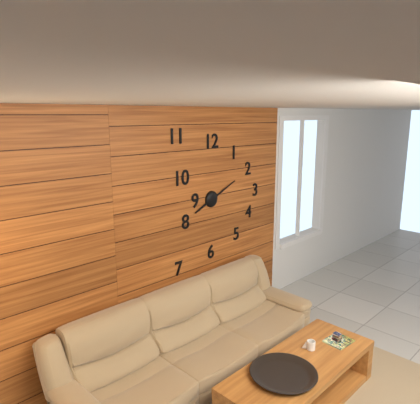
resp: 8h11
